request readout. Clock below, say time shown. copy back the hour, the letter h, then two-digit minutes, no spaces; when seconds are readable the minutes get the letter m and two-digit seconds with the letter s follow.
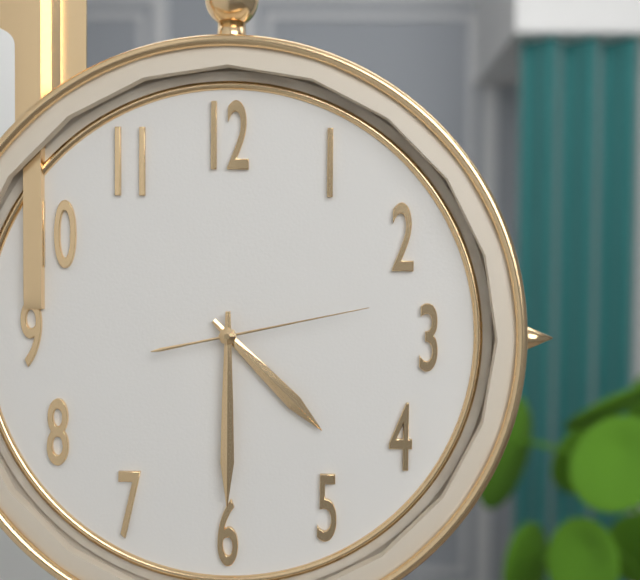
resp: 4h30m13s
